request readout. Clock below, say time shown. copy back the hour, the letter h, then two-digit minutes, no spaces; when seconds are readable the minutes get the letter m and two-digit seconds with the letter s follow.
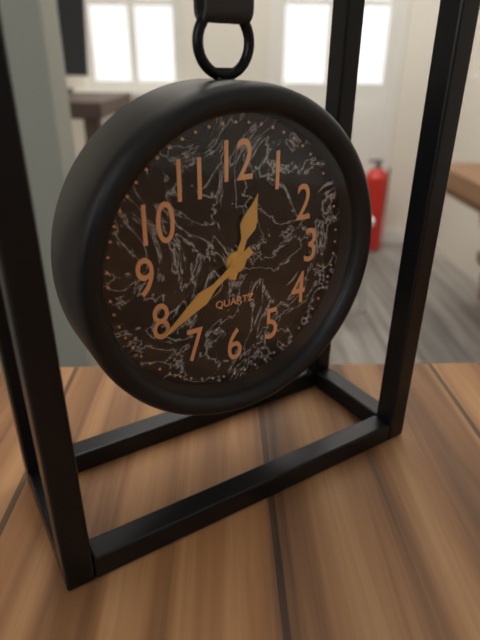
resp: 12h39
